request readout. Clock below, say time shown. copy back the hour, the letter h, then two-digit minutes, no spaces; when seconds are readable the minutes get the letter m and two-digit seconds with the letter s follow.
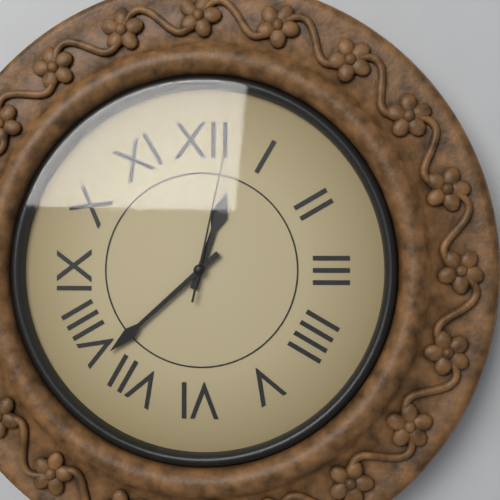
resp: 12h38m02s
